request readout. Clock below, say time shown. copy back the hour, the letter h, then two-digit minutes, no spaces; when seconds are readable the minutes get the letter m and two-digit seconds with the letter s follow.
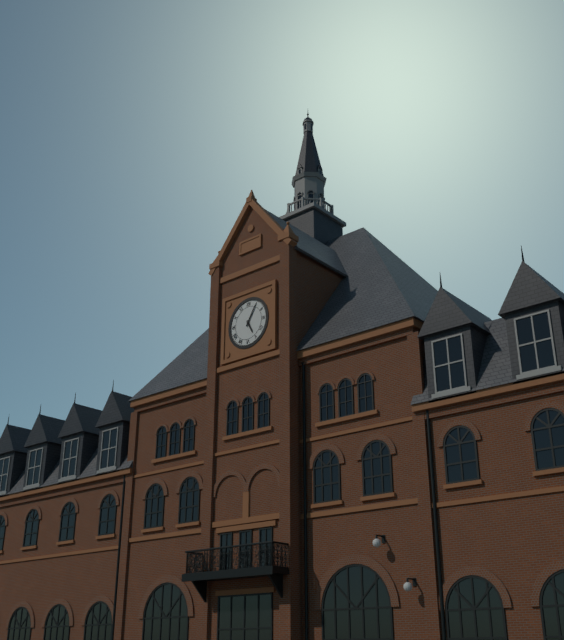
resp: 5h05
